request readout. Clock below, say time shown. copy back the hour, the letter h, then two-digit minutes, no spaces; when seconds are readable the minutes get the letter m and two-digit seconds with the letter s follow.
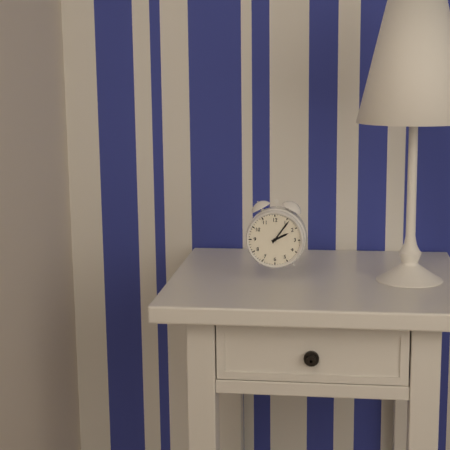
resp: 2h06
